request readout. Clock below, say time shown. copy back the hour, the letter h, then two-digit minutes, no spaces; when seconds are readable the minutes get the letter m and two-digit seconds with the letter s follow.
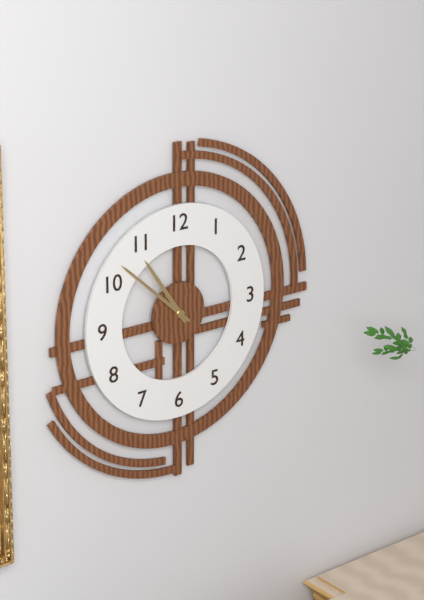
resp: 10h52
